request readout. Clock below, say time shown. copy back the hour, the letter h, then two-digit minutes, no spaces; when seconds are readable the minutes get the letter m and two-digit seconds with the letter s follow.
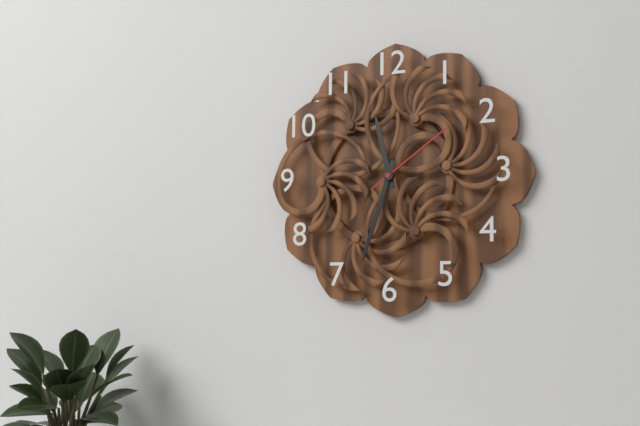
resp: 11h33m09s
